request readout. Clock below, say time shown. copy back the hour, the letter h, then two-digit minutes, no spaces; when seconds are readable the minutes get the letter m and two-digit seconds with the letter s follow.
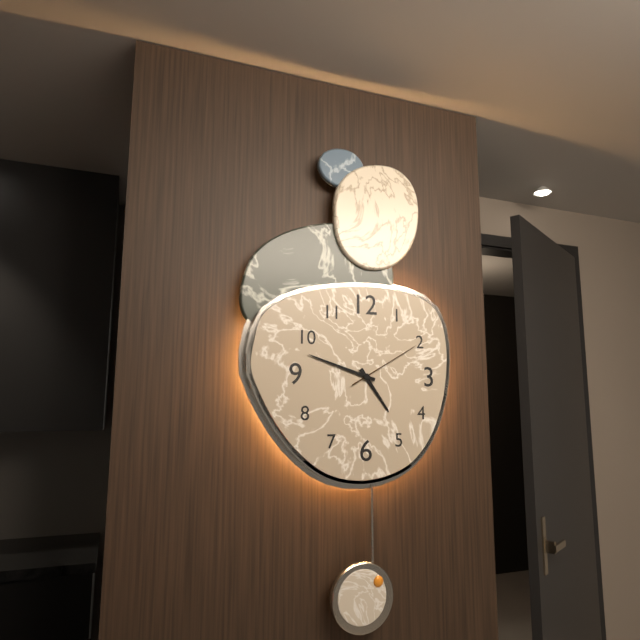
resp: 4h48m10s
